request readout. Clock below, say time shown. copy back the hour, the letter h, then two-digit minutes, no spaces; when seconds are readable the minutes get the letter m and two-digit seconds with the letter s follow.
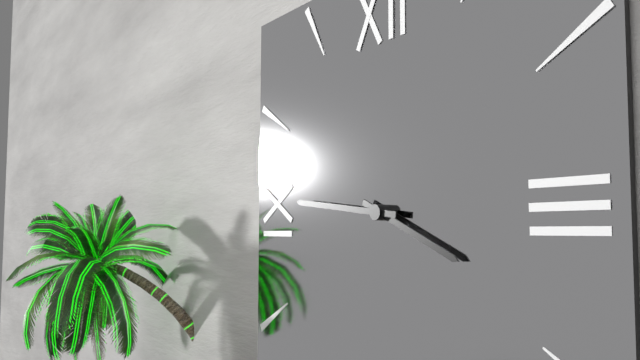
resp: 3h46
